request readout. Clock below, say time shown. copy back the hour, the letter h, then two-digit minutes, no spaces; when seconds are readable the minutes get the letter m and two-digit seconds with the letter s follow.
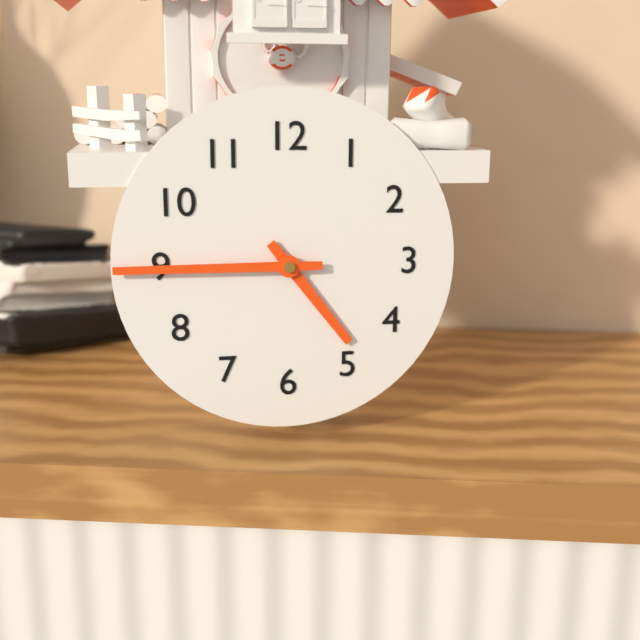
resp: 4h45
